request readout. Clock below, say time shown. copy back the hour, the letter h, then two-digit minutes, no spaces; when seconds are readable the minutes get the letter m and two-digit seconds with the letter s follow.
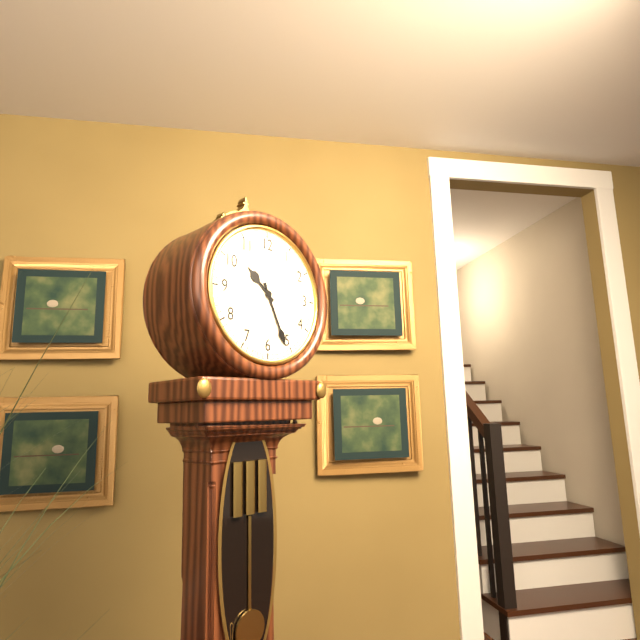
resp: 10h26
